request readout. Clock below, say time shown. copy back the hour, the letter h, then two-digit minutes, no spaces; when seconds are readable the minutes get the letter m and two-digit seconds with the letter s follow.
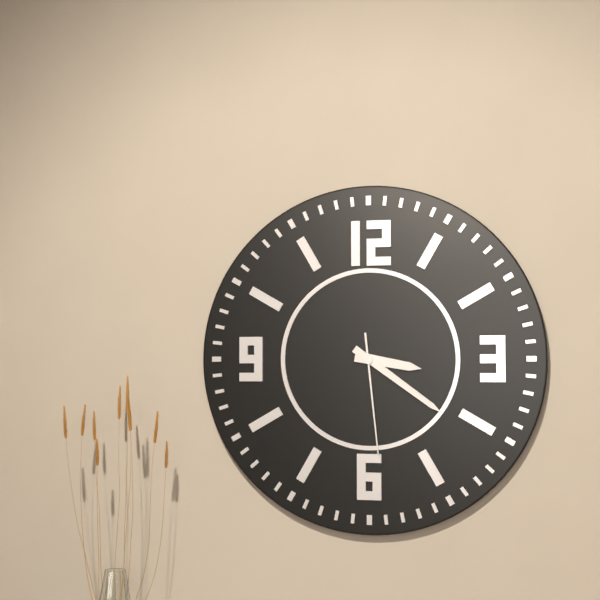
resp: 3h21m29s
